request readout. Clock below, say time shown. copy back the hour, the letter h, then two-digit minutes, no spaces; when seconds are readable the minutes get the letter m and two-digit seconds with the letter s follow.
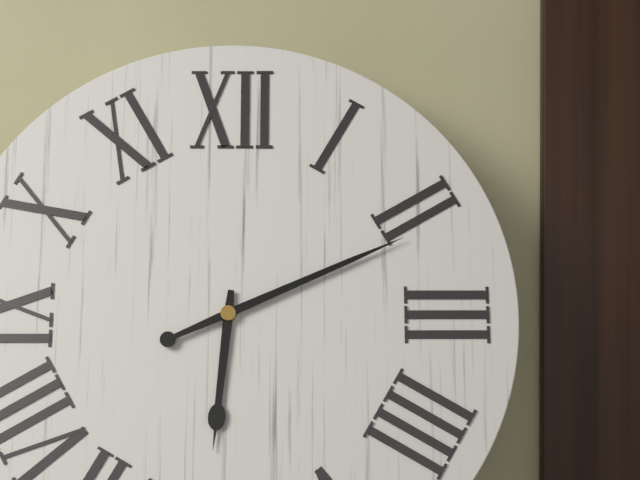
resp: 6h11
